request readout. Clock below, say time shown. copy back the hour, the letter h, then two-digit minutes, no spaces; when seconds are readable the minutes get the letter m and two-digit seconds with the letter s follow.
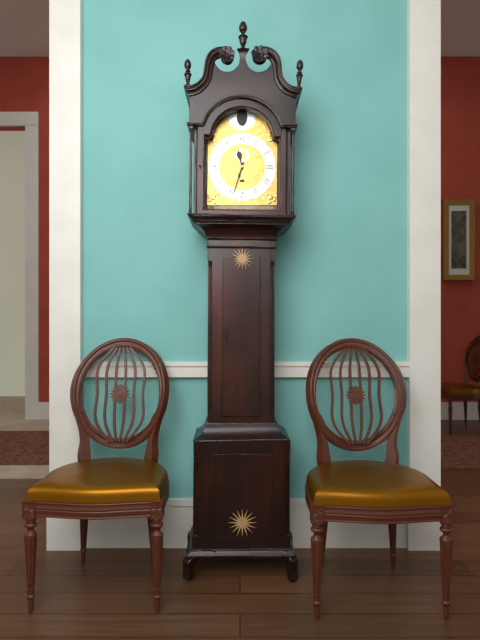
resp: 11h33
